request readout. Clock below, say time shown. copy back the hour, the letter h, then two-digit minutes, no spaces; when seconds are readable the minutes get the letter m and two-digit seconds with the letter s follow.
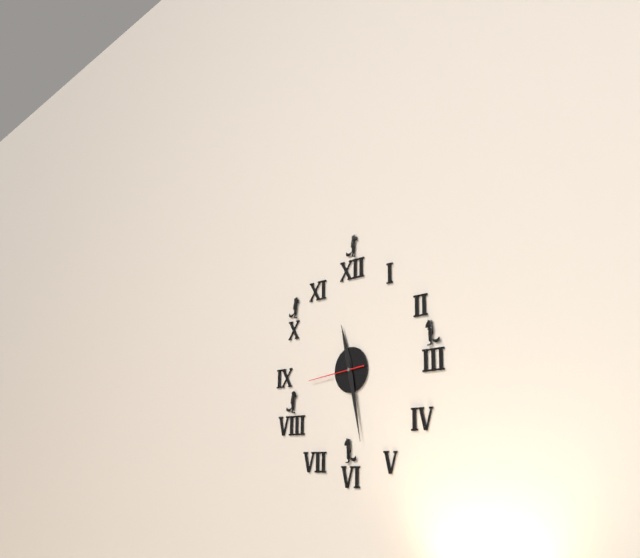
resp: 11h28m44s
